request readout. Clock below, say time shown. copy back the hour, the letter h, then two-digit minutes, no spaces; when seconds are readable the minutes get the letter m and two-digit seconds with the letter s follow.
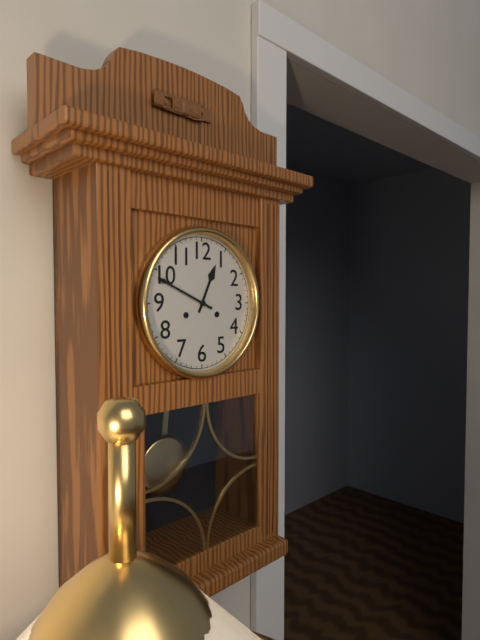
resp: 12h49
